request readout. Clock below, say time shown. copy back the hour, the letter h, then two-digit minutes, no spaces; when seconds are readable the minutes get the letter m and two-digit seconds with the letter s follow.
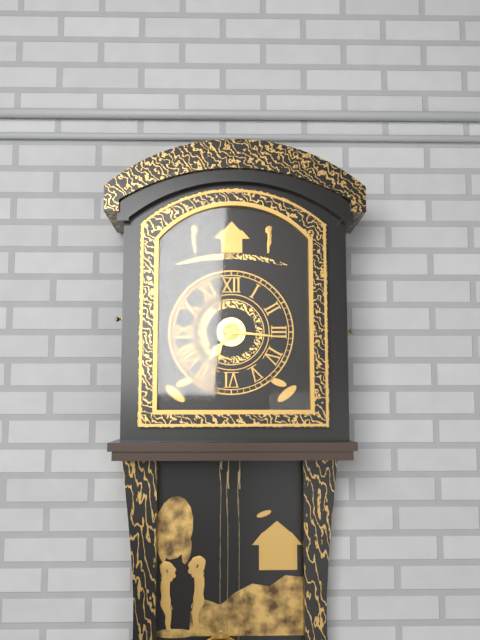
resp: 7h16
